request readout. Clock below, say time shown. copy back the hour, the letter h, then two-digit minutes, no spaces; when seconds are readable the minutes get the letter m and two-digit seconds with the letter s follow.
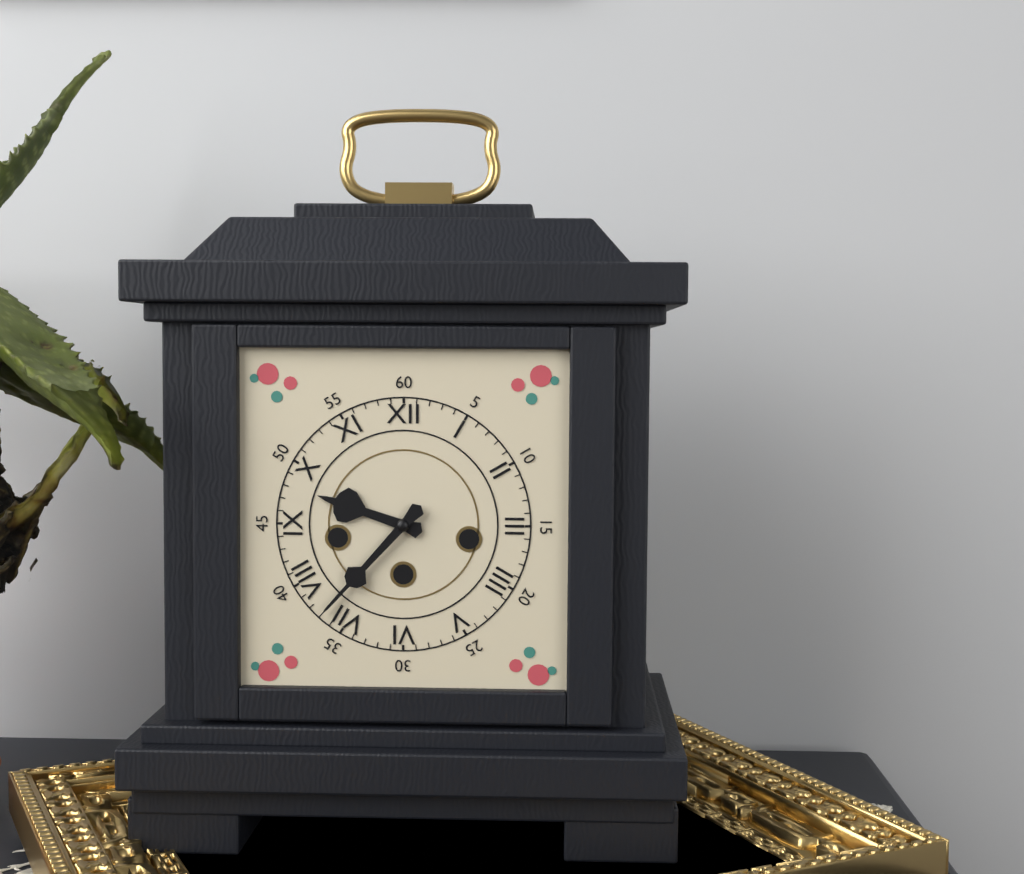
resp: 9h37
